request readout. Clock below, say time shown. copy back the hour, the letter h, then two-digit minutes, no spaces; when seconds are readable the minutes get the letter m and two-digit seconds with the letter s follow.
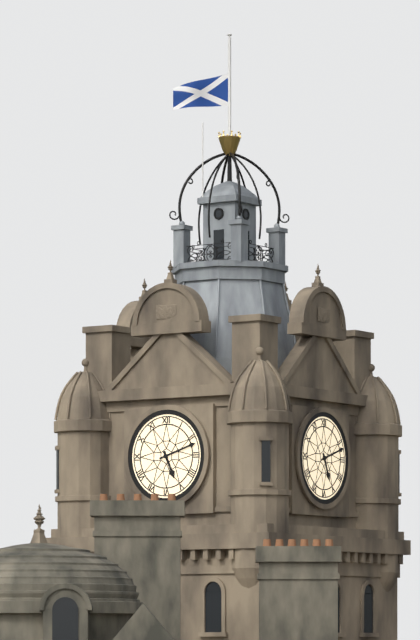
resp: 5h12
